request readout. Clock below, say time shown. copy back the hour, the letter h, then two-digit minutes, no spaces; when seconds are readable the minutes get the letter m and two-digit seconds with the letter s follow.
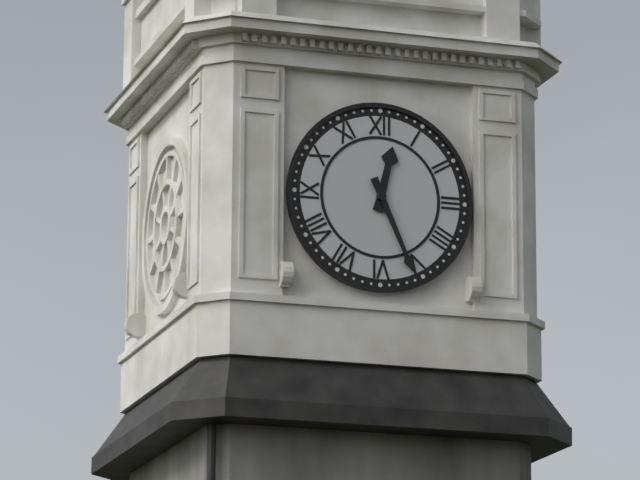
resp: 12h26
